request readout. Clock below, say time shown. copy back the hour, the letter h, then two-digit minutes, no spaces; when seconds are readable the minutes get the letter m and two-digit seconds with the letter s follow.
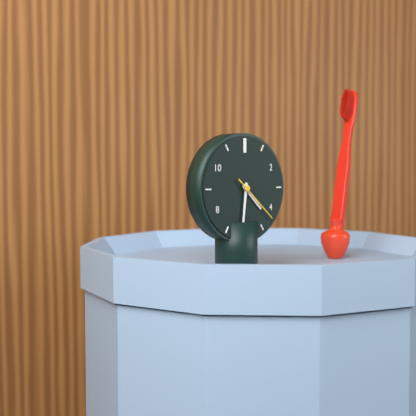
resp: 4h31m22s
